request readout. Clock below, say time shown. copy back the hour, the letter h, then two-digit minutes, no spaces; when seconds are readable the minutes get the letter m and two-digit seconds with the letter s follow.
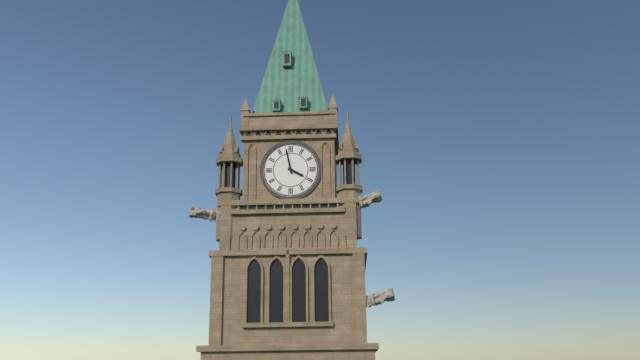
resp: 3h58
